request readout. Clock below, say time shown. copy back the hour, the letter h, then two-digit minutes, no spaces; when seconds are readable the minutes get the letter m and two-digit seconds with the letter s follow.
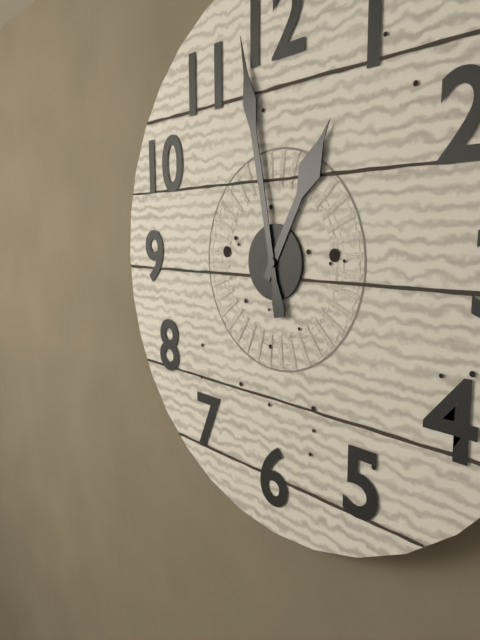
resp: 12h58
